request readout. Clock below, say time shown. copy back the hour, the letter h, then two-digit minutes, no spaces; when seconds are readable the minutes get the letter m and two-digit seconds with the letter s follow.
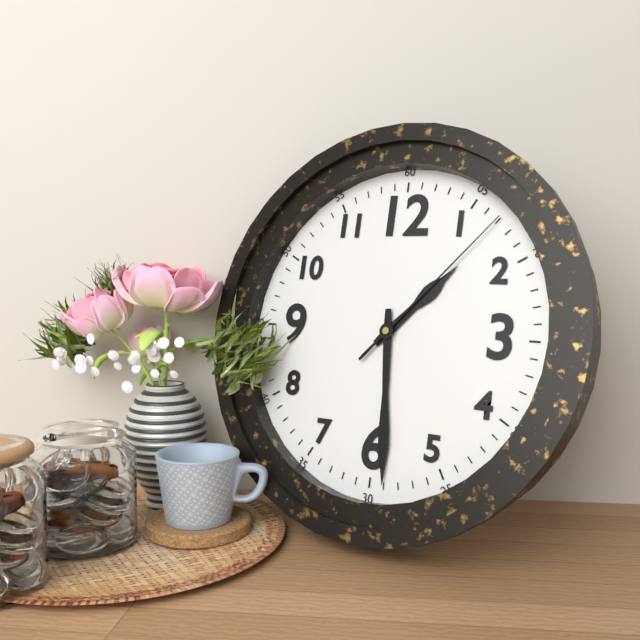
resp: 1h29m07s
